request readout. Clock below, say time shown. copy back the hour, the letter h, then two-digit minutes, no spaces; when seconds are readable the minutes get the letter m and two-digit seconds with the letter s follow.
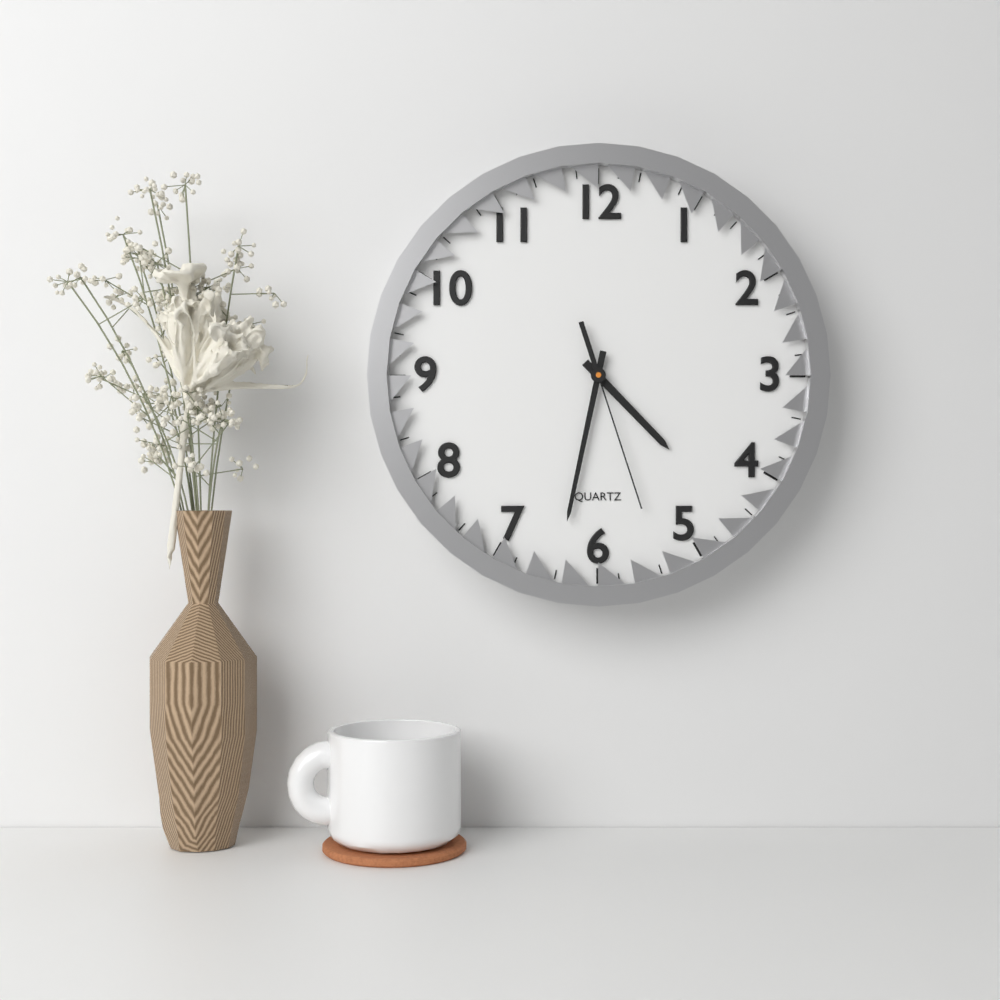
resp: 4h32m27s
